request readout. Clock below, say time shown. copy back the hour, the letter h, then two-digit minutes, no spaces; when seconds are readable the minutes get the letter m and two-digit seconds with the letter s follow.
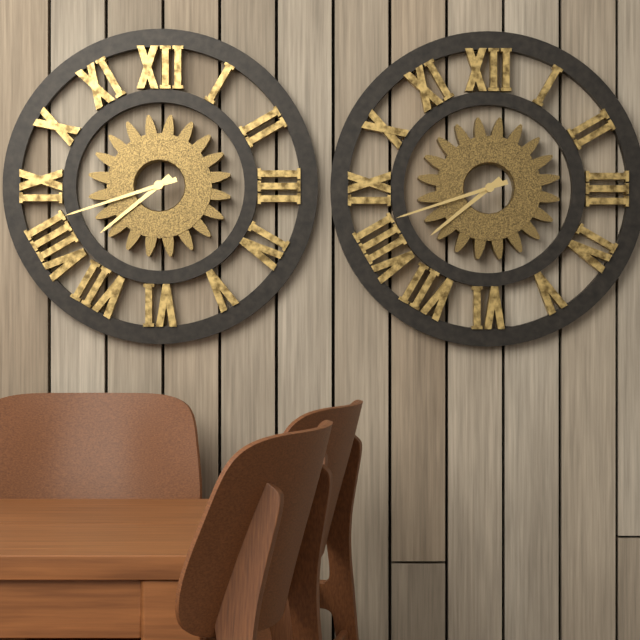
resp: 7h42
